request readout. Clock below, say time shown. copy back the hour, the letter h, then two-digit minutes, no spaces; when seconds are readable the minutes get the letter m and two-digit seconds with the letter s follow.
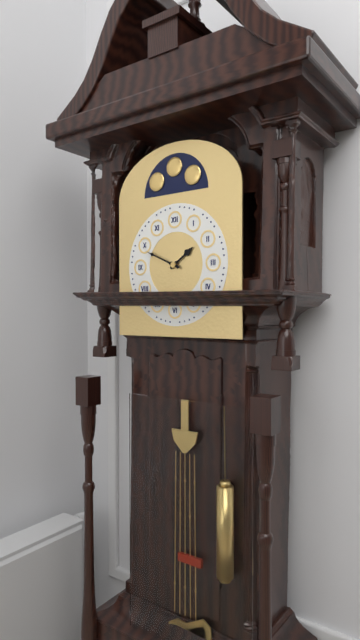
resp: 1h49
